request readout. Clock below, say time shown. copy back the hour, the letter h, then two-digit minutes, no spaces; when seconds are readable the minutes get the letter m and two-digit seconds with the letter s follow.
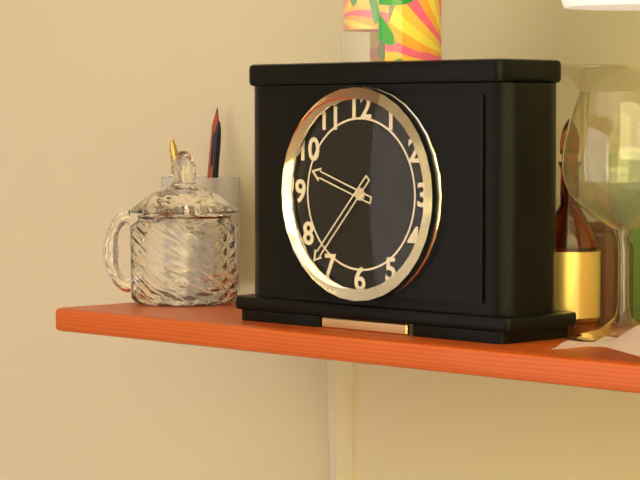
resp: 9h37
